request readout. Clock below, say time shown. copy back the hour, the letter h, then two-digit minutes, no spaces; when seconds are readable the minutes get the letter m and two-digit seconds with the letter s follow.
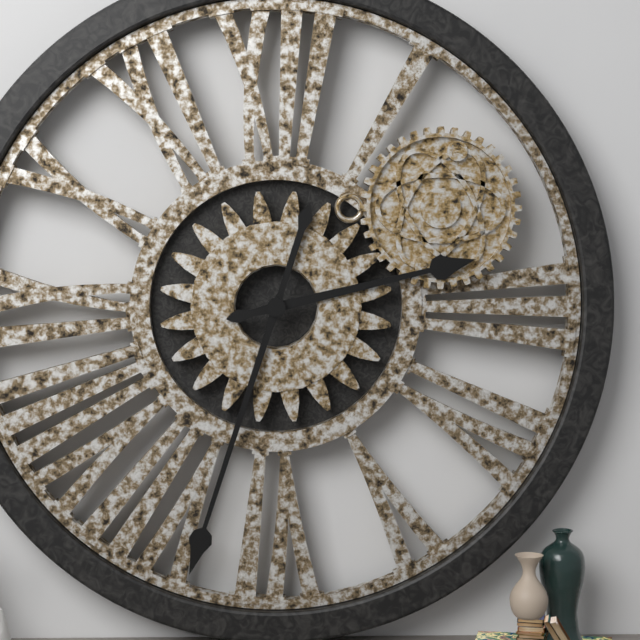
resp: 2h33
